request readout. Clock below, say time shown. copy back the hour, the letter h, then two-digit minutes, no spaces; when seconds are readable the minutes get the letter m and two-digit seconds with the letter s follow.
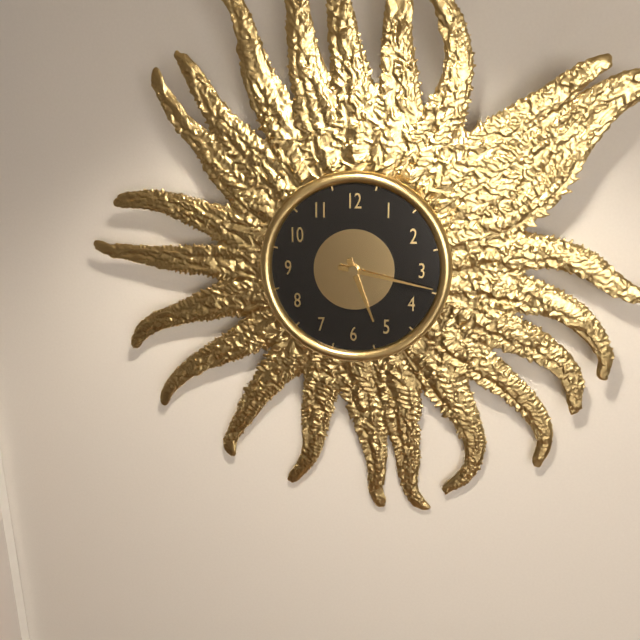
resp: 5h17
